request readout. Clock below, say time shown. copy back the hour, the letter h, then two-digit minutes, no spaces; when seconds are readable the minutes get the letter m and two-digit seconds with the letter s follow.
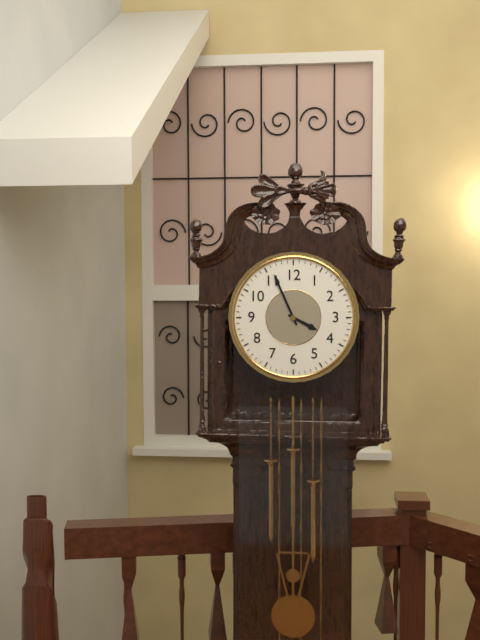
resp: 3h56
